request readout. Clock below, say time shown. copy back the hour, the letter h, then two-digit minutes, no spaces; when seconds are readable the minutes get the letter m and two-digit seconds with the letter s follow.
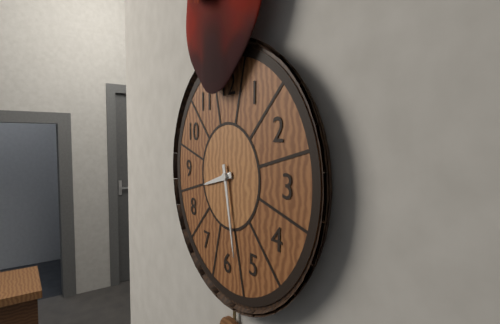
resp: 8h28
